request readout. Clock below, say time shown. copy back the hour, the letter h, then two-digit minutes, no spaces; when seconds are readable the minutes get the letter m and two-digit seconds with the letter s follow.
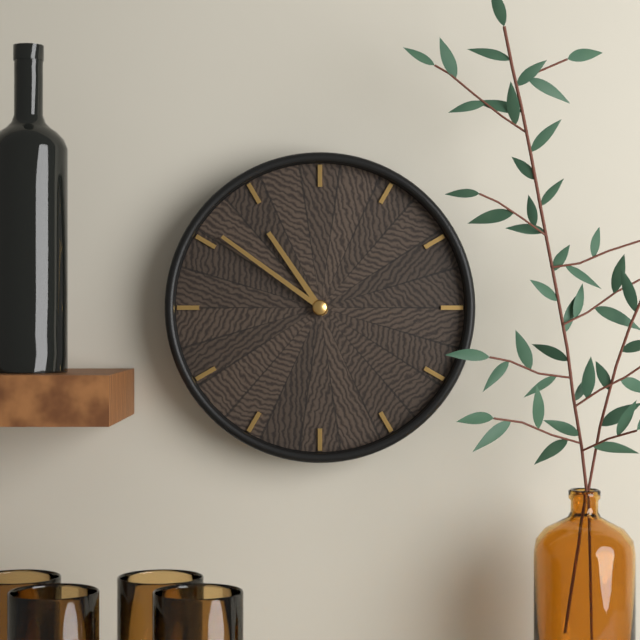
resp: 10h51
